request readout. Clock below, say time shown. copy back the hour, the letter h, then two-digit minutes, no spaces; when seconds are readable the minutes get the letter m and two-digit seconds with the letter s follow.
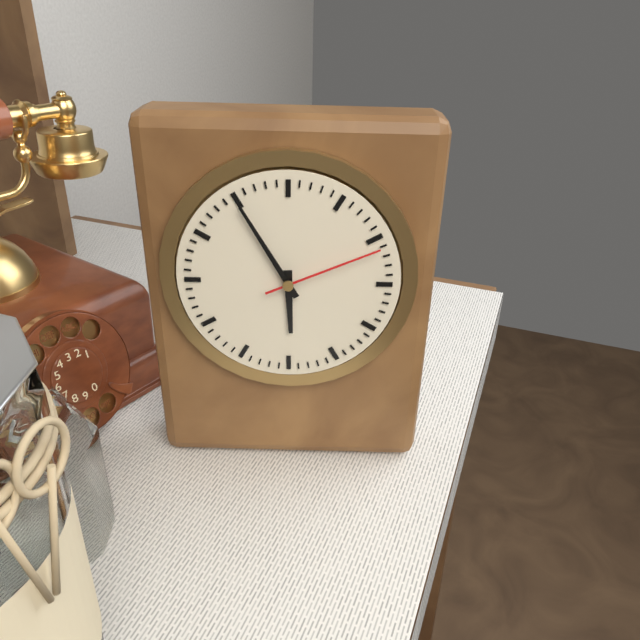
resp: 5h55m11s
